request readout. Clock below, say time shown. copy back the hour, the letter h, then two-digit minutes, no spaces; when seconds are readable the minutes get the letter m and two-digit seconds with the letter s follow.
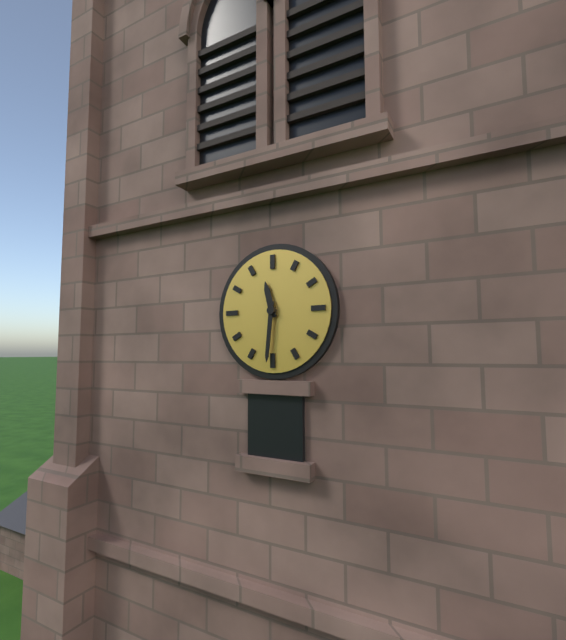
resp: 11h31
